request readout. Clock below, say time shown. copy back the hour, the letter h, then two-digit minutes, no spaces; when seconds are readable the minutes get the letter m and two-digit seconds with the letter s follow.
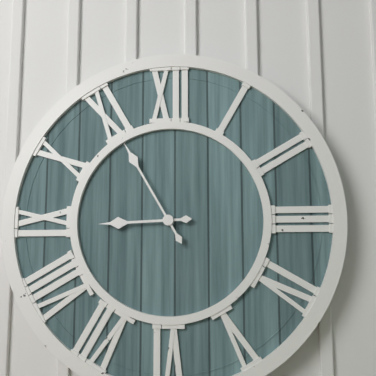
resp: 8h55
